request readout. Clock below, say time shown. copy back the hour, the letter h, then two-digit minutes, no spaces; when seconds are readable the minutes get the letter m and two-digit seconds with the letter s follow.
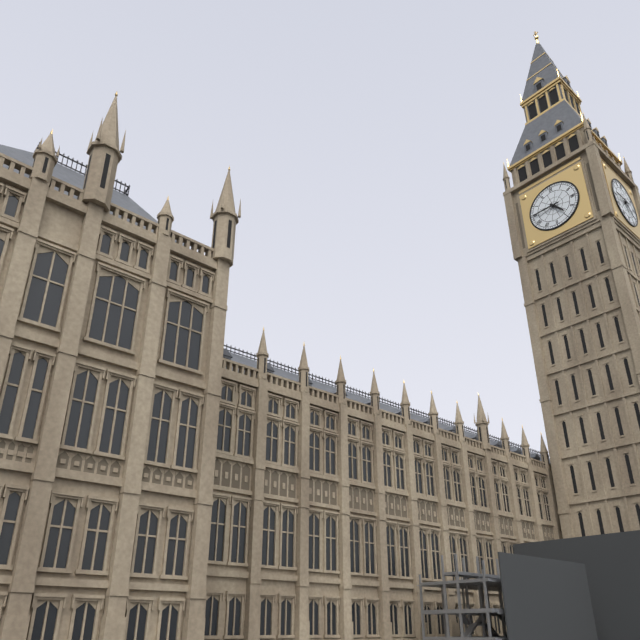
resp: 4h45
